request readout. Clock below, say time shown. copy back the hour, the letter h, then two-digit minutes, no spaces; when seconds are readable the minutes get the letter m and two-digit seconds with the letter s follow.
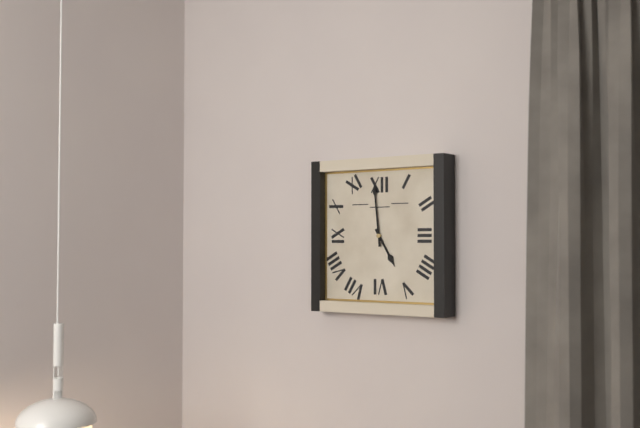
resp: 4h59
